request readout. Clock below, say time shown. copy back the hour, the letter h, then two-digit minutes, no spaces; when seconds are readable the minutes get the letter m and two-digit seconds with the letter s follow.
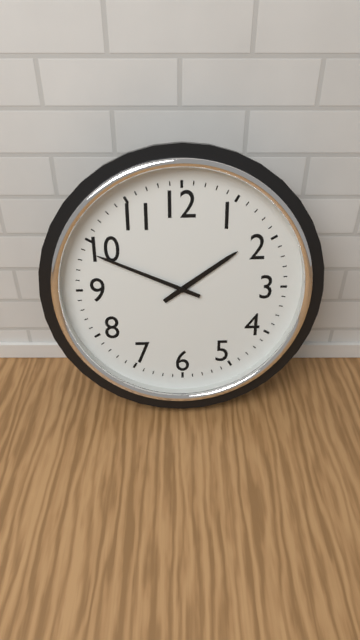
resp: 1h49
